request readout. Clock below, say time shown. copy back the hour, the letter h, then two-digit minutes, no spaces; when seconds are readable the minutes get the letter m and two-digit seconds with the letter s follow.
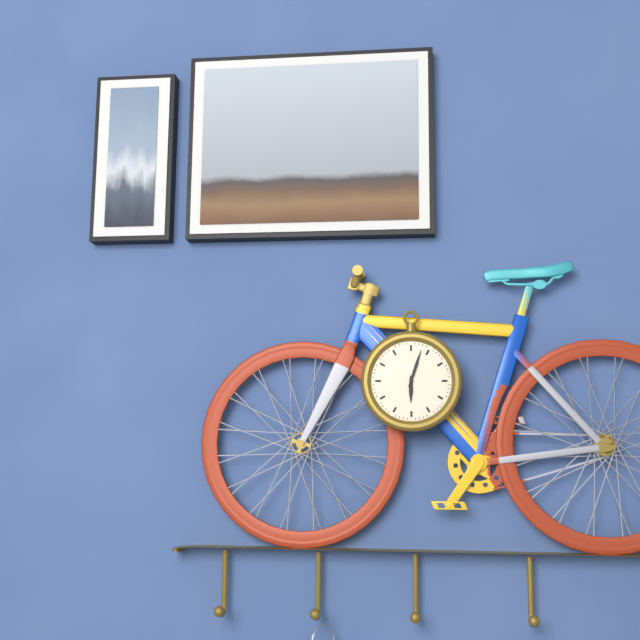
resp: 6h03
